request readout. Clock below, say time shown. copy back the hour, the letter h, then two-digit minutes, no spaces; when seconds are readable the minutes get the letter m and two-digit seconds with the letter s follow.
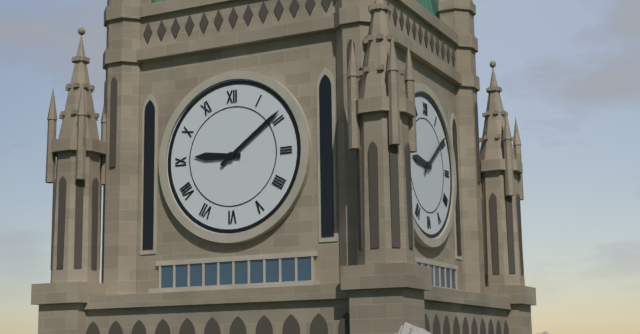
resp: 9h09
